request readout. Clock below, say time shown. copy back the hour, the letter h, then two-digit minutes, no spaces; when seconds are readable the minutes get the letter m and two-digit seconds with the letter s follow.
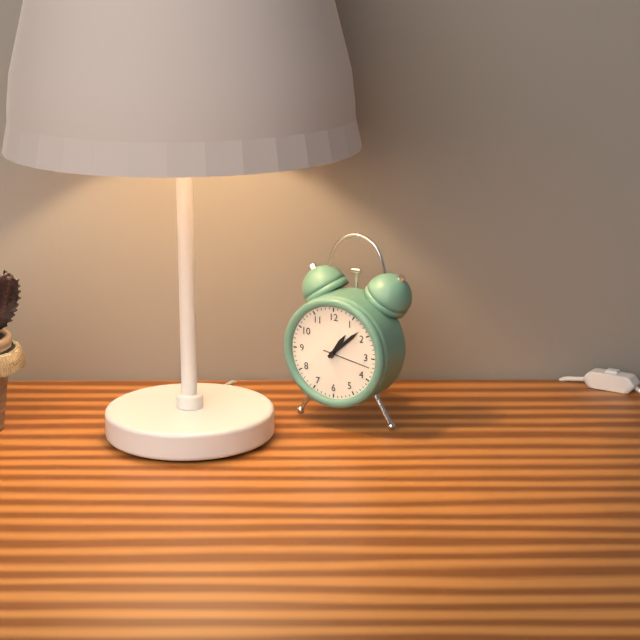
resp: 1h08
